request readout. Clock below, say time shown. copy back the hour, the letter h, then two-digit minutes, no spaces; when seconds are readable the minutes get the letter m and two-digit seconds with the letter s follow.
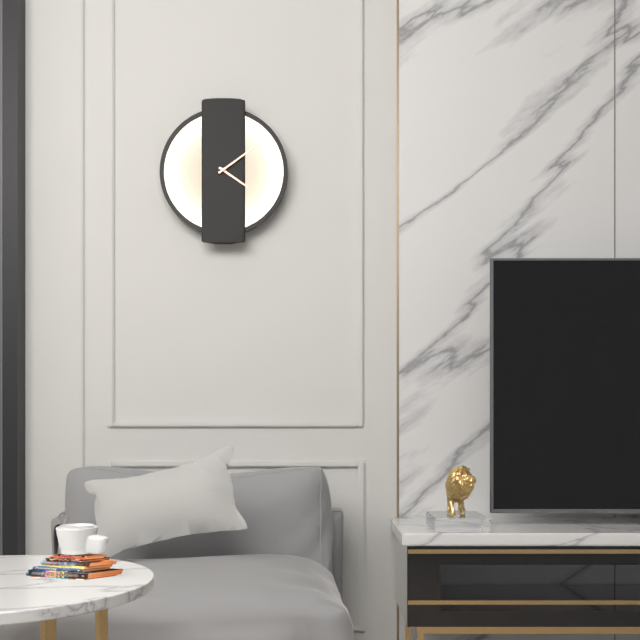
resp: 4h09
